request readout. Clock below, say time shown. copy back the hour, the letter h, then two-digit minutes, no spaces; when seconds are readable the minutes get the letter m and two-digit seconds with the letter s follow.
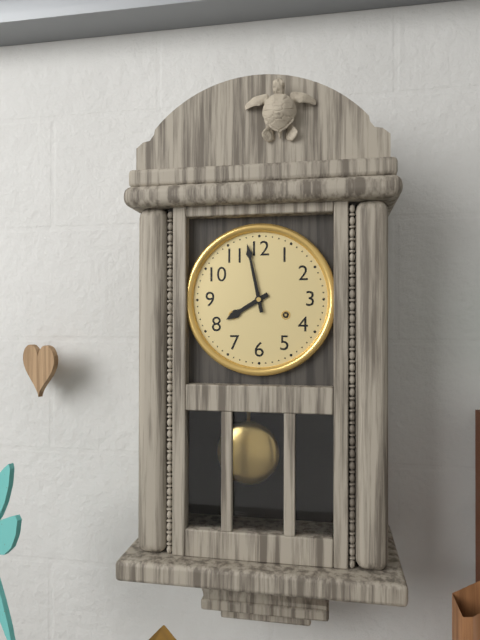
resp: 7h58
